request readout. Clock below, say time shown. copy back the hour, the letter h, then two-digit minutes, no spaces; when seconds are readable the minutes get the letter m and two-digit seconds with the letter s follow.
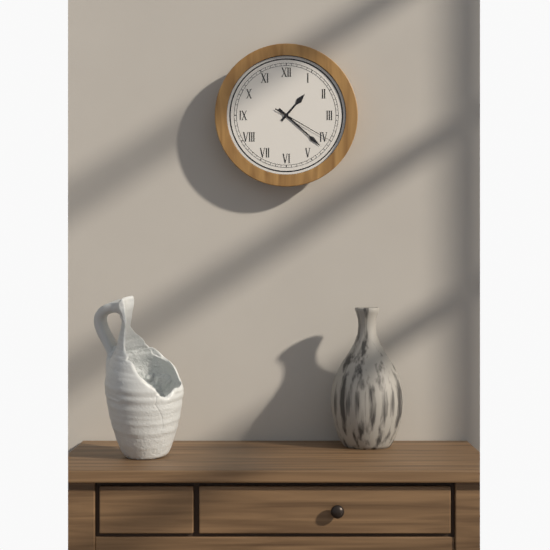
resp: 1h22m20s
